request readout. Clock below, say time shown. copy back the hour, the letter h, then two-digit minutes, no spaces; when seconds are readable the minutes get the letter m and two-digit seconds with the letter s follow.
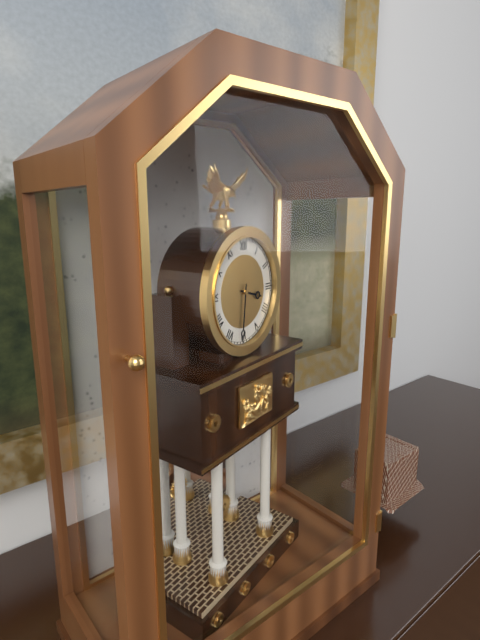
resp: 3h31
